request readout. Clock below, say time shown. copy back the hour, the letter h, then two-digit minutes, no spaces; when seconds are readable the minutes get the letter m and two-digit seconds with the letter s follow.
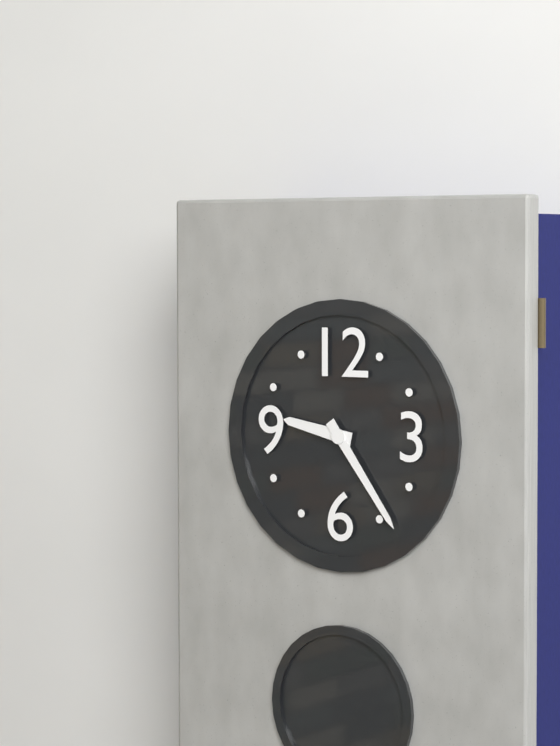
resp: 9h24
